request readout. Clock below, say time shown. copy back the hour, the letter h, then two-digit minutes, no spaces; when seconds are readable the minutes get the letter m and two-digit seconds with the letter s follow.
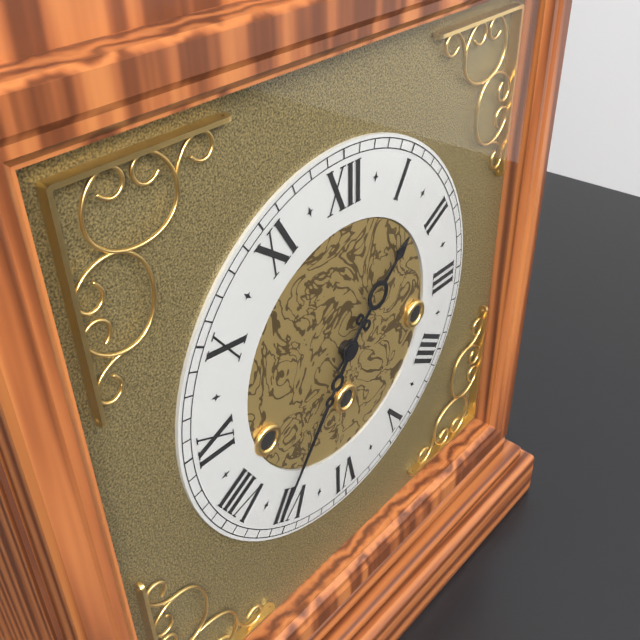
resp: 1h36
